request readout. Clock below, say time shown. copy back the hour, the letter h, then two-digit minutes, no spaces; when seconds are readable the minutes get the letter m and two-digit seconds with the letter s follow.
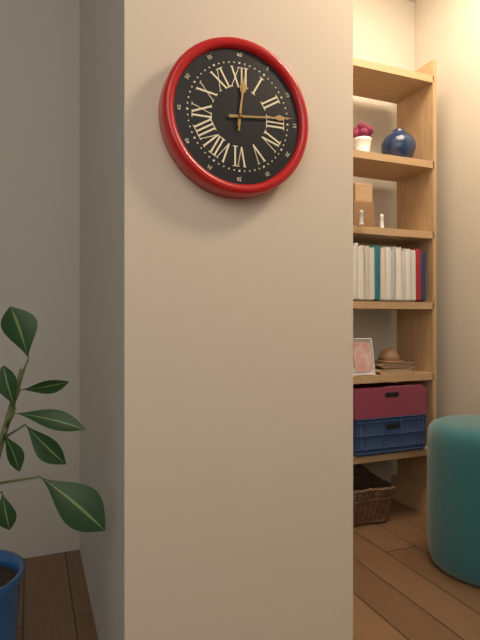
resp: 12h14m01s
